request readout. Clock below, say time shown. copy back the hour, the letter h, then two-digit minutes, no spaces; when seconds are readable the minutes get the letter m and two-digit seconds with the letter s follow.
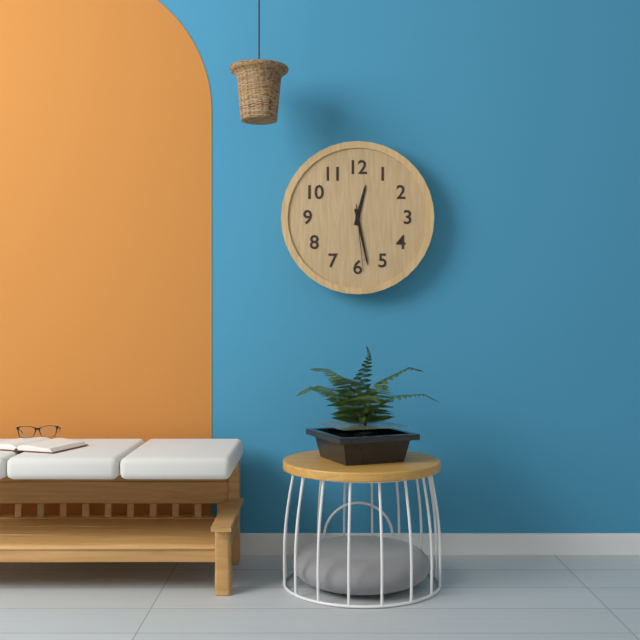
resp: 12h28m29s
